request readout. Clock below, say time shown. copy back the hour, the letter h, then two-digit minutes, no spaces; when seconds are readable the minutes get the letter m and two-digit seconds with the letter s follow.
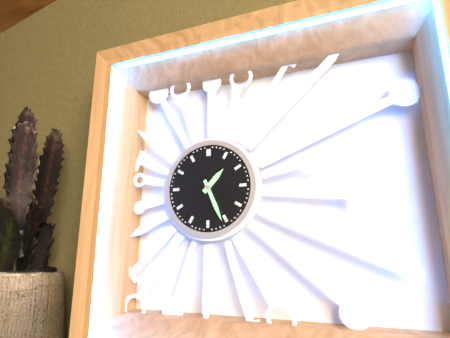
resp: 1h26
